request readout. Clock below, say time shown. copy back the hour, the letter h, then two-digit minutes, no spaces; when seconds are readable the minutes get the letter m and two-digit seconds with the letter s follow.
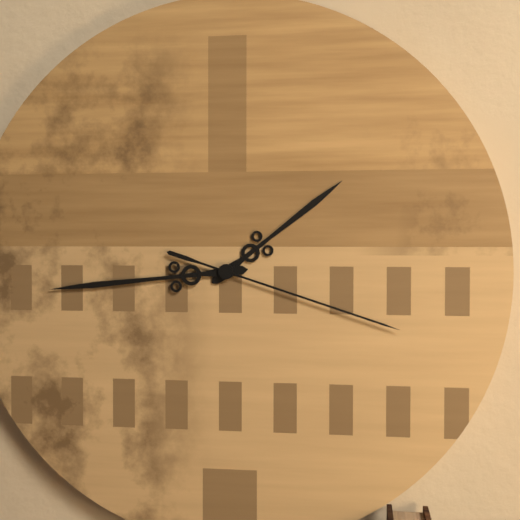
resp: 1h44m18s
